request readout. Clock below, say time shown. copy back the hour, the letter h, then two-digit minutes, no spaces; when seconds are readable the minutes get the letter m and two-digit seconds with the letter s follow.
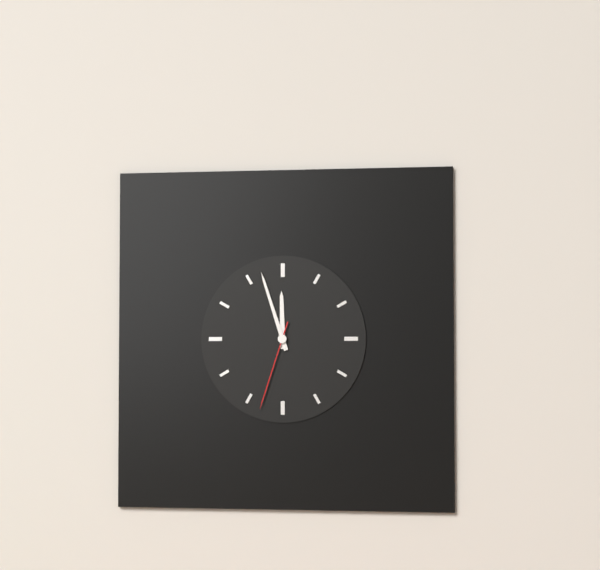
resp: 11h57m33s
